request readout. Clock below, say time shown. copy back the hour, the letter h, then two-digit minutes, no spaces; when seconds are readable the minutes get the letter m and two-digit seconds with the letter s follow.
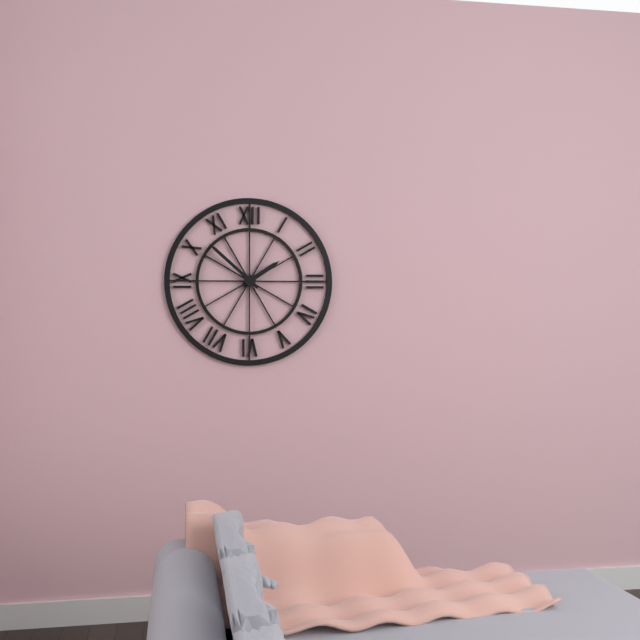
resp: 1h52
